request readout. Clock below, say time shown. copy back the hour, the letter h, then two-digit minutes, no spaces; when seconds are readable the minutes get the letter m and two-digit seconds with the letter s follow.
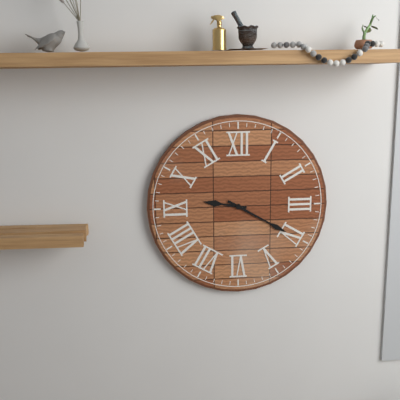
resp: 9h20
